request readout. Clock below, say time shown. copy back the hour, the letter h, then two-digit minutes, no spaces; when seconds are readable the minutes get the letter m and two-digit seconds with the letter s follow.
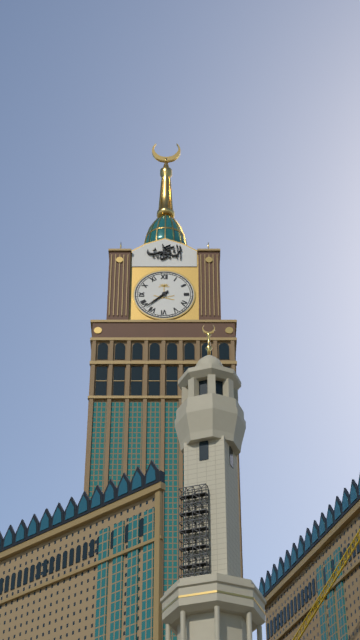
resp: 7h38
